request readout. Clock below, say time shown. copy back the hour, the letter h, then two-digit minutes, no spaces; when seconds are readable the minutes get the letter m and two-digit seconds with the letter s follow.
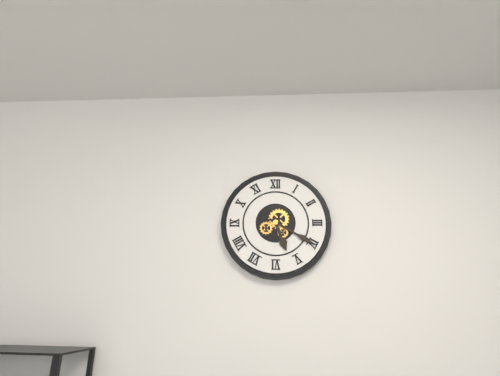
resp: 5h20
